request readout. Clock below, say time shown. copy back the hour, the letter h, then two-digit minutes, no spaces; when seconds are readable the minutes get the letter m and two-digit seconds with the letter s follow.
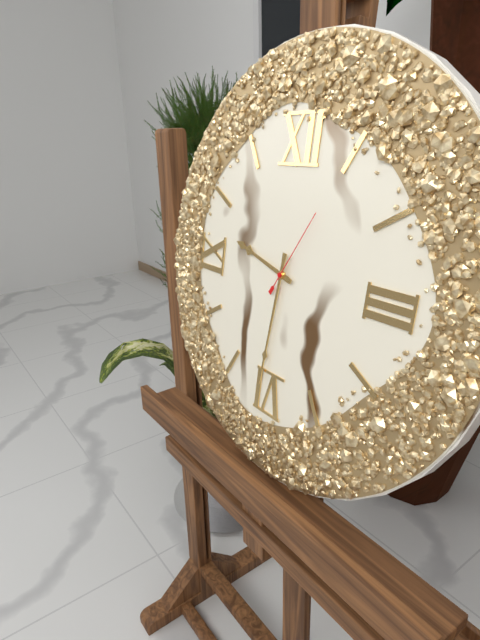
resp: 9h31m05s
